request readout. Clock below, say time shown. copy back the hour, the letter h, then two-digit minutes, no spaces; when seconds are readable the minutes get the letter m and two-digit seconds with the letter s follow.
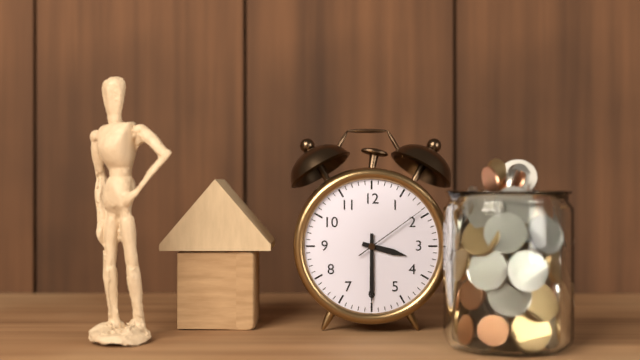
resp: 3h30m09s
